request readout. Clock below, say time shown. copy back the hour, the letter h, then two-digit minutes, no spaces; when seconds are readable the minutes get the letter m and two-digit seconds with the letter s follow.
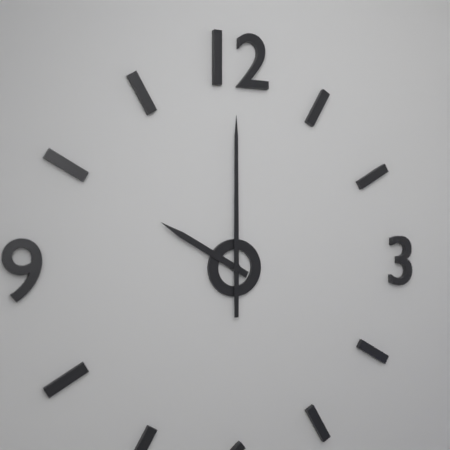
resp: 10h00
